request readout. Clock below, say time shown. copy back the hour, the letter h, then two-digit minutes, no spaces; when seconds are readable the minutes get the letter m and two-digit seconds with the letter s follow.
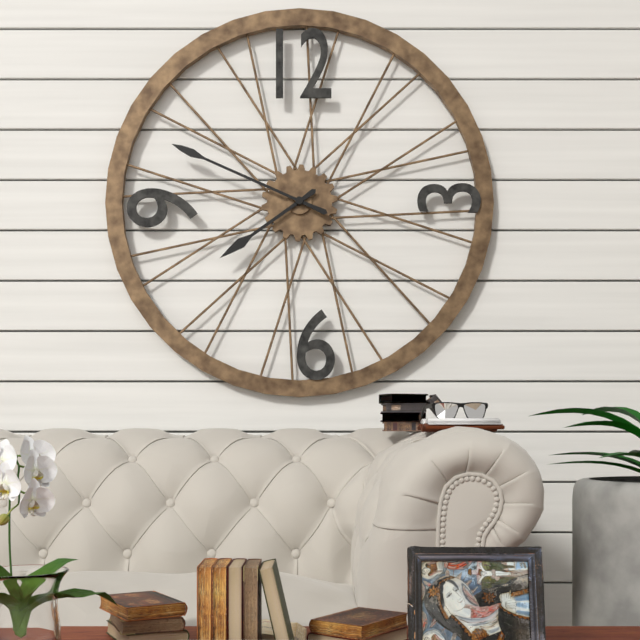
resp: 7h49
